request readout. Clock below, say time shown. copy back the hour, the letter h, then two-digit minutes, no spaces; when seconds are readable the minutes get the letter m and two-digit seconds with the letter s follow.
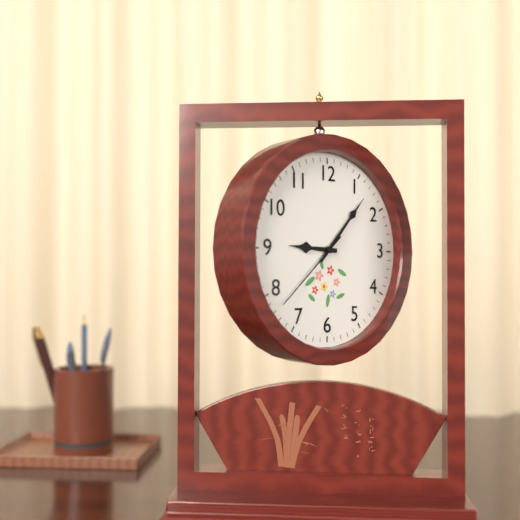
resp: 9h07m38s
